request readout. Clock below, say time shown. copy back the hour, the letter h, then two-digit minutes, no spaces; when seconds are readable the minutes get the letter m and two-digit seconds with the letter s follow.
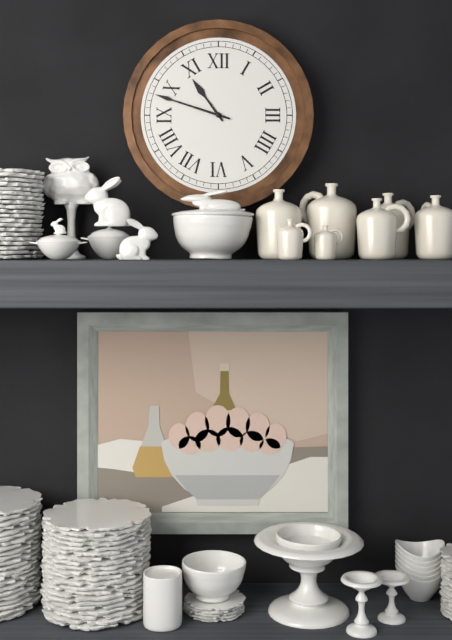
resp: 10h48
